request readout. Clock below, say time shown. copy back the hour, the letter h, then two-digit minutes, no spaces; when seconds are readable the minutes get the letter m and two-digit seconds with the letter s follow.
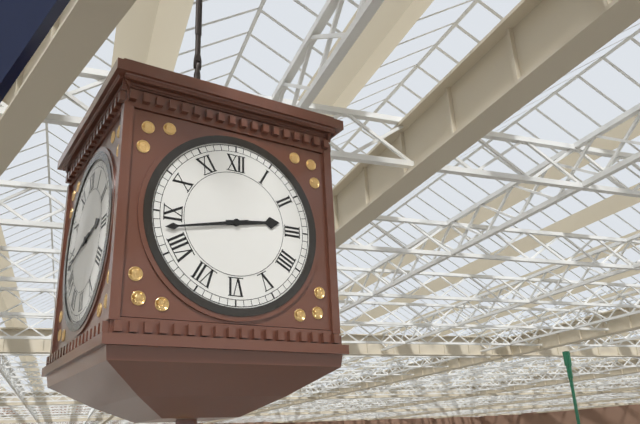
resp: 2h43
